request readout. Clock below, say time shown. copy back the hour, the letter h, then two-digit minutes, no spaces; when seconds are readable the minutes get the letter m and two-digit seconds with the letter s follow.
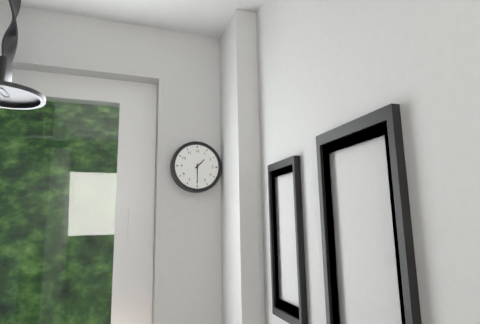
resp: 1h30
